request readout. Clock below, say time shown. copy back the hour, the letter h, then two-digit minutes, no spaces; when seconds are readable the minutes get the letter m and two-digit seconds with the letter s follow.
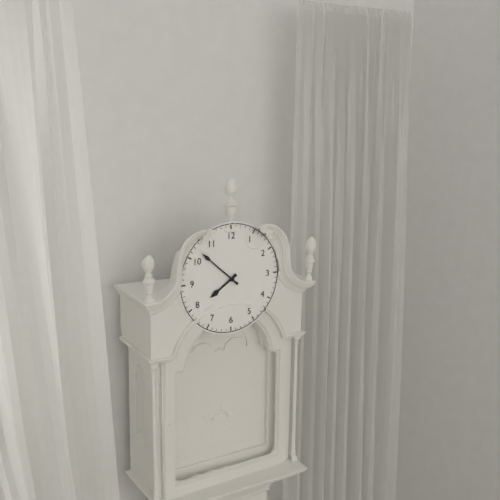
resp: 7h52
